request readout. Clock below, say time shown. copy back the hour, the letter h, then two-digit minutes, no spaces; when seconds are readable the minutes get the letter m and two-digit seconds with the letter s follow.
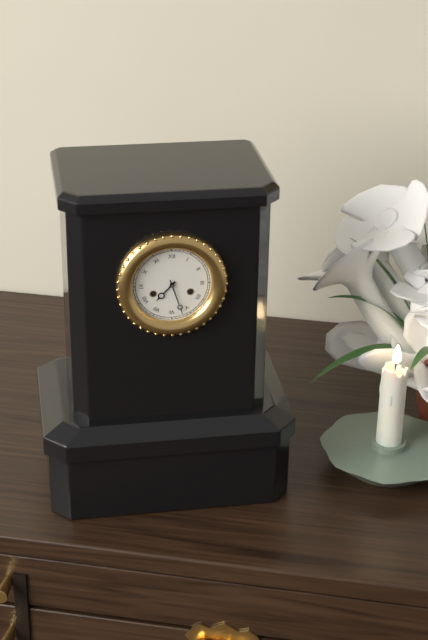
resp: 7h27
